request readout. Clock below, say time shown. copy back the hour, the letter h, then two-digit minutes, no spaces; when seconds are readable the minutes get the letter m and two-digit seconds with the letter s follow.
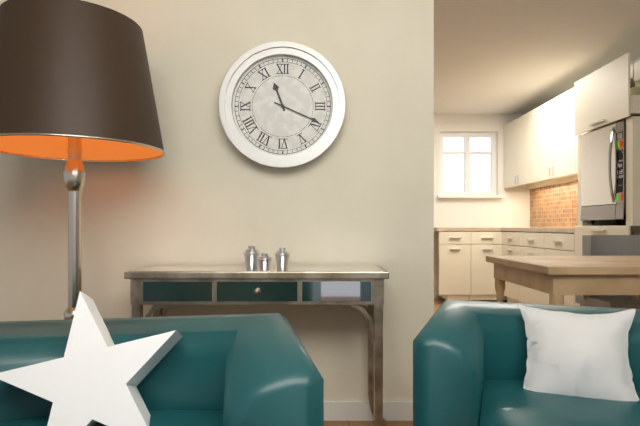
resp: 11h19
